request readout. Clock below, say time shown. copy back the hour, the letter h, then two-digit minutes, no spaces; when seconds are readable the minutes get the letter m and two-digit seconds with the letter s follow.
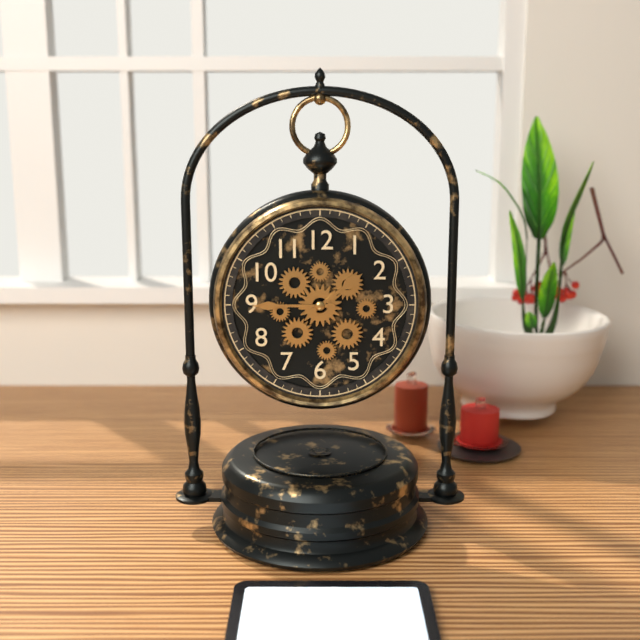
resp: 1h45
